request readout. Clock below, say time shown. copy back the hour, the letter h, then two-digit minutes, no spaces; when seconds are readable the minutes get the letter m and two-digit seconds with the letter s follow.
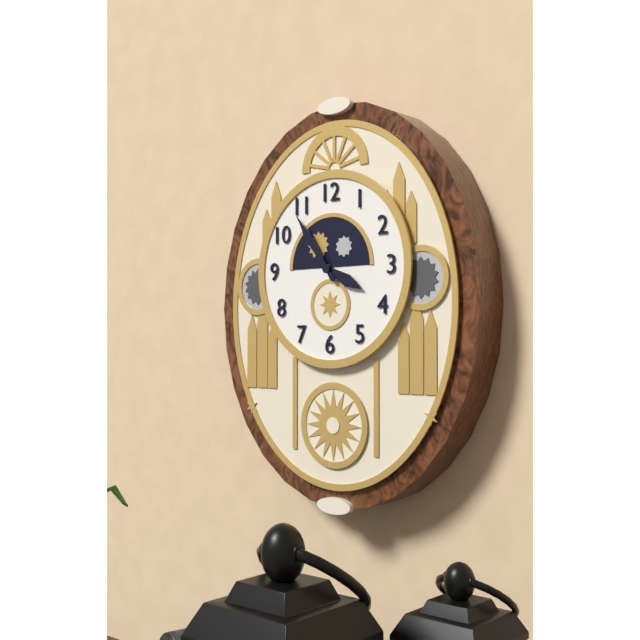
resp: 3h54
